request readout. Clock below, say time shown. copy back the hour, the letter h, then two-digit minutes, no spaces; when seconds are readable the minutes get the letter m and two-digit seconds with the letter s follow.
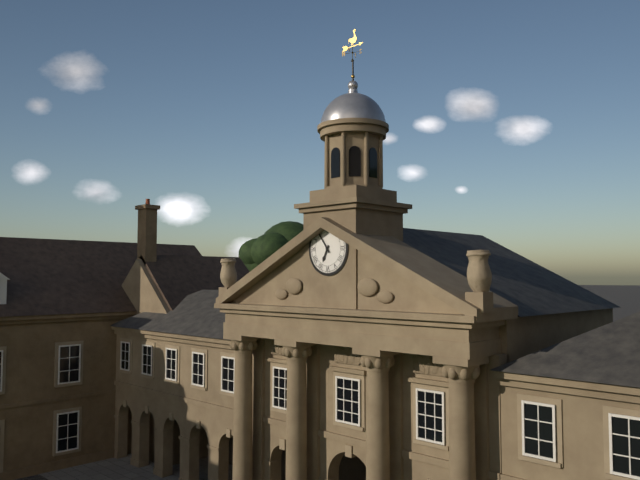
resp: 6h54
